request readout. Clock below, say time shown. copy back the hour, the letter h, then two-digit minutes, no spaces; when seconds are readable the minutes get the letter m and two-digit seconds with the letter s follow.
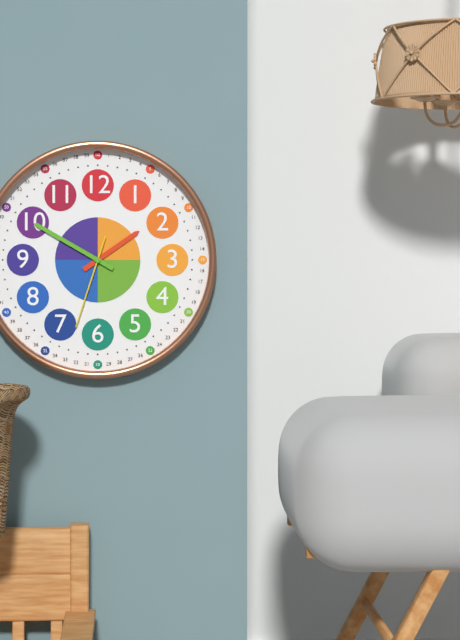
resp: 1h50m33s
